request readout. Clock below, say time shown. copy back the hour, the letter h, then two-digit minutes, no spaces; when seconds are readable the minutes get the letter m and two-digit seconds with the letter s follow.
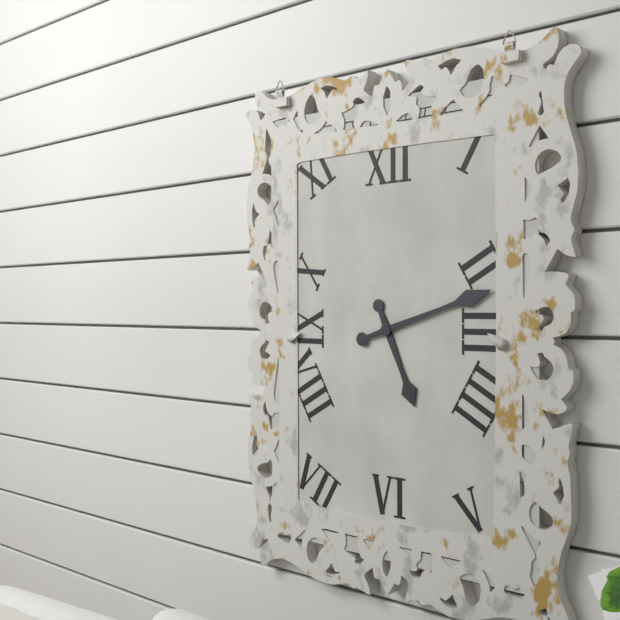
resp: 5h12
